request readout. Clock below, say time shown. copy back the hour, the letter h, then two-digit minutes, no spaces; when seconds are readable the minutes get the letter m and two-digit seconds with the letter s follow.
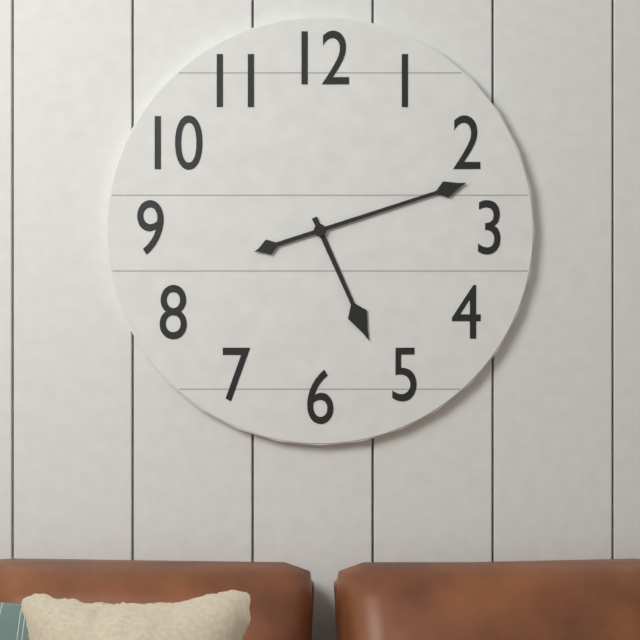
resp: 5h12
